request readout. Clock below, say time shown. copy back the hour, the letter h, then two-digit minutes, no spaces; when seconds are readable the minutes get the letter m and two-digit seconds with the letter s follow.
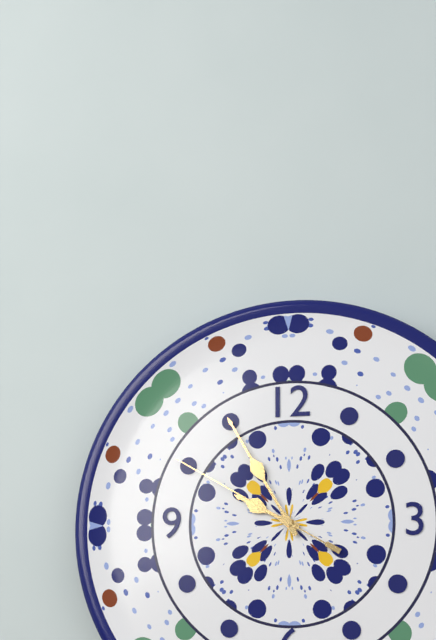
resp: 9h55m50s
